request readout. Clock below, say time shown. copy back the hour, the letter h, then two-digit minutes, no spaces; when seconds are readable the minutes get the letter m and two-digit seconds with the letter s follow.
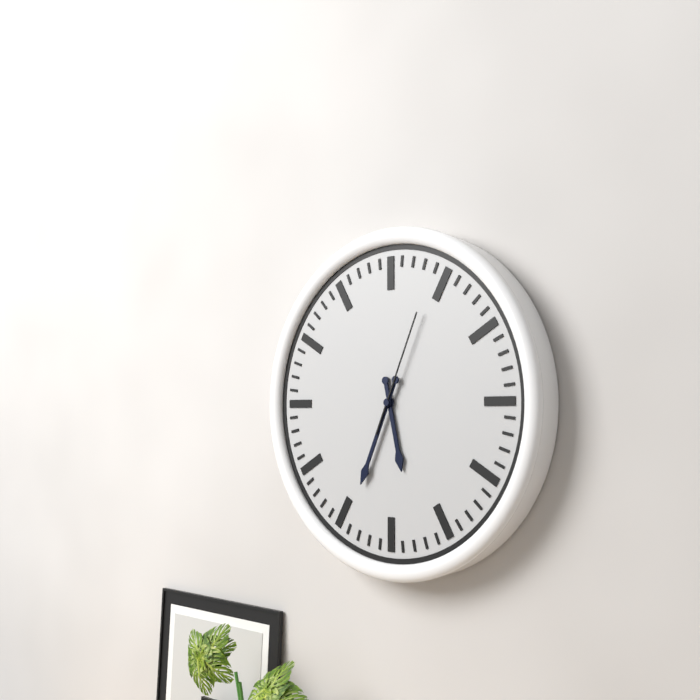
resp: 5h34m04s
